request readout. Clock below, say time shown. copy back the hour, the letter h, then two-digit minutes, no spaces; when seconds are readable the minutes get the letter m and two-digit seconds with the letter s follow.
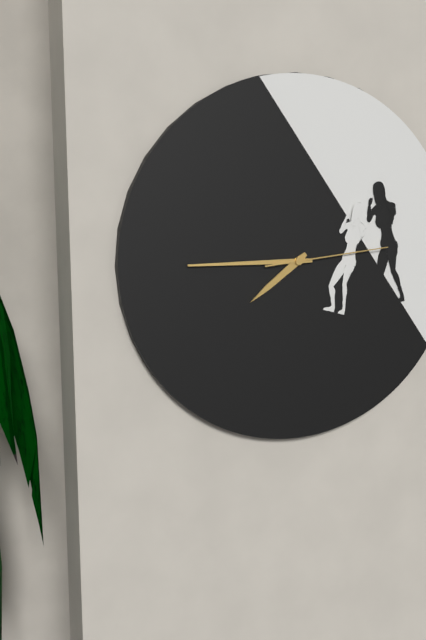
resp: 7h45m14s
